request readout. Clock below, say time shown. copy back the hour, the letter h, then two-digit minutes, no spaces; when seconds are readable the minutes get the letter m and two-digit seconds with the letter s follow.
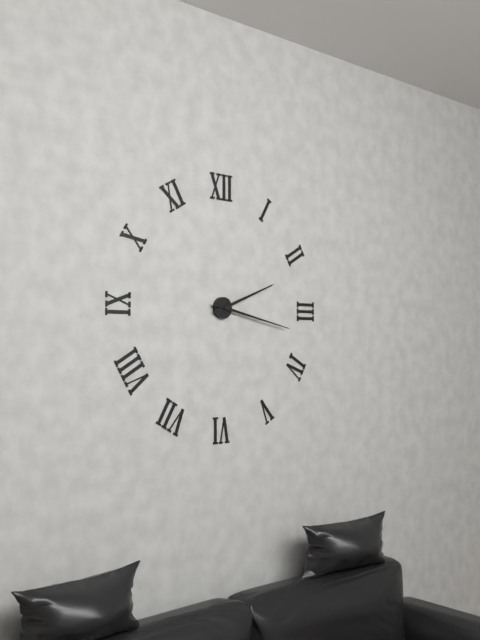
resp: 2h17
